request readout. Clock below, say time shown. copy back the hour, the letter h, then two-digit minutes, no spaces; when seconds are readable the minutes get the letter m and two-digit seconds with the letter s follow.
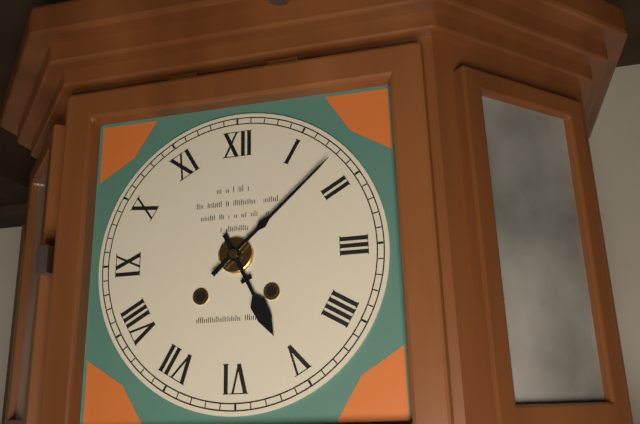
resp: 5h08
